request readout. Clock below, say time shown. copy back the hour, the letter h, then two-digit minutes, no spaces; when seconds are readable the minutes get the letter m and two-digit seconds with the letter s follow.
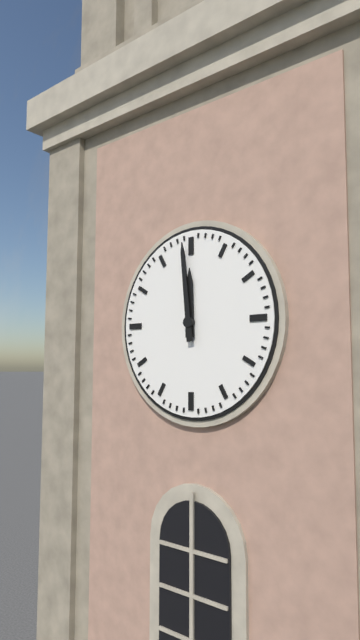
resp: 11h59
